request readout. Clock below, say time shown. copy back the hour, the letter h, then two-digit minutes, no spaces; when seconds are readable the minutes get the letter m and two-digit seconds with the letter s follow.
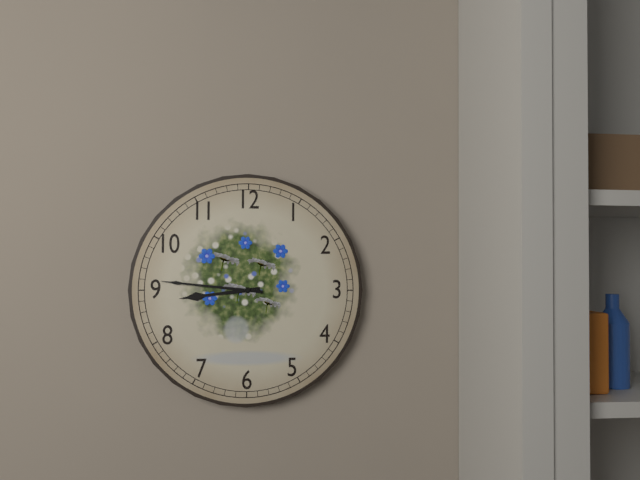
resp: 8h46
